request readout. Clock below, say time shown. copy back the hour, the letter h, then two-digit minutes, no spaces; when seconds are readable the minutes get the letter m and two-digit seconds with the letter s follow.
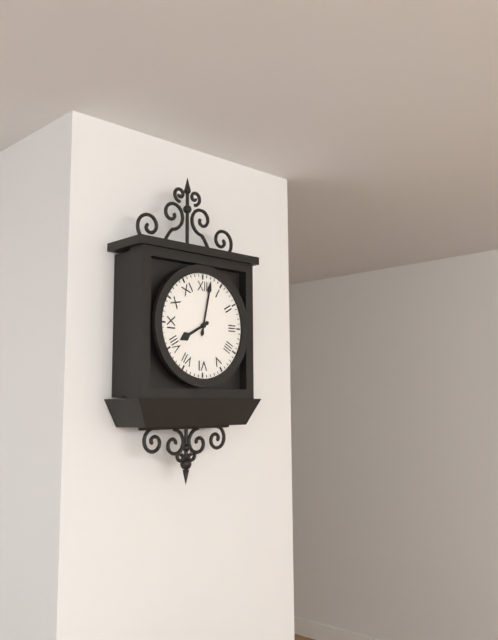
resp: 8h02
